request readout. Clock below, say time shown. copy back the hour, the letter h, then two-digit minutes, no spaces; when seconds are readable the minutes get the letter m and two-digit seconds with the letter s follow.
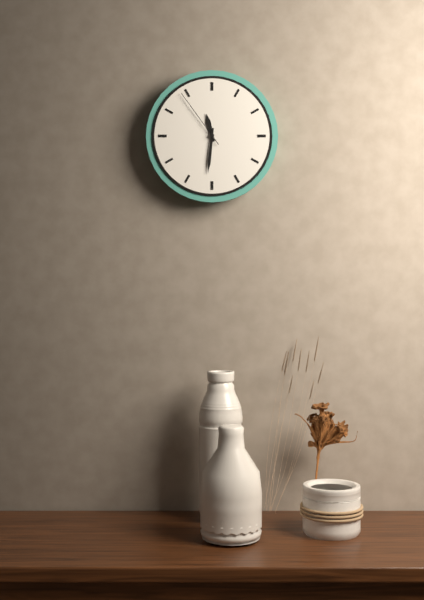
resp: 11h31m54s
